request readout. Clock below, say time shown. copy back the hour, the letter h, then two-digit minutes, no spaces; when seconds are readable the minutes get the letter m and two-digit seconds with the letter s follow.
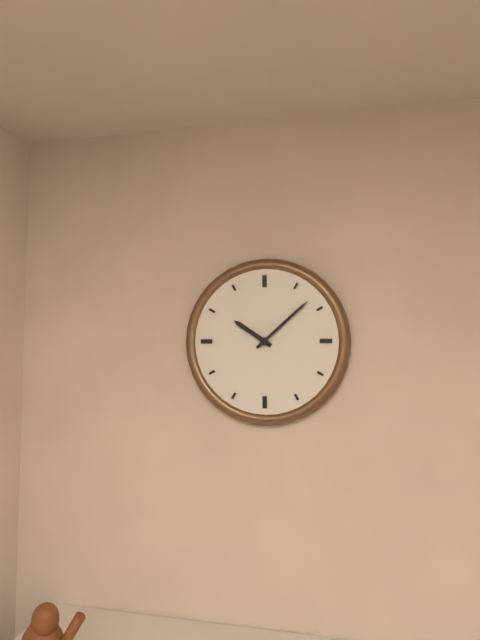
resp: 10h08
